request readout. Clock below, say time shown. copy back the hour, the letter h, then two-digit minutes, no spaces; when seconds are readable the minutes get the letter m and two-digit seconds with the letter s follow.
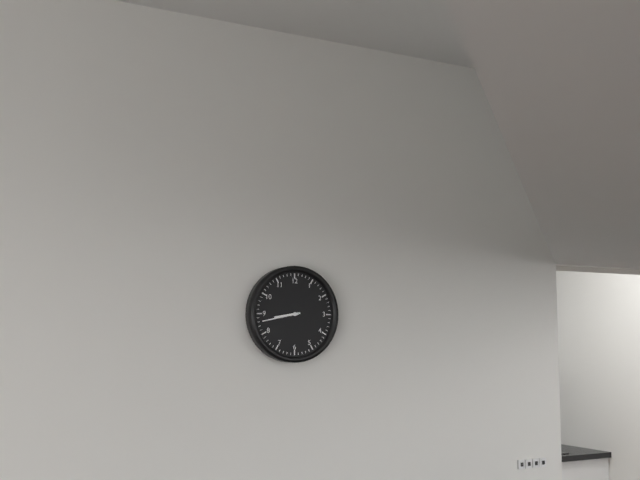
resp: 8h43
